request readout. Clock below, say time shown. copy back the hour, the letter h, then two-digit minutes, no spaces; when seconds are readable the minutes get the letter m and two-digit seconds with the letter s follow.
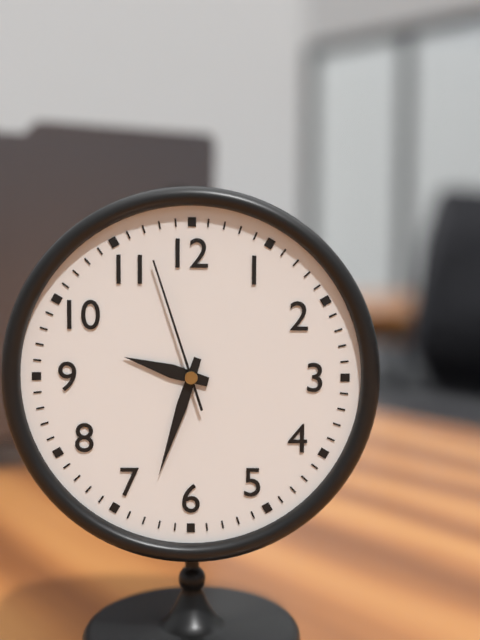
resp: 9h33m57s
